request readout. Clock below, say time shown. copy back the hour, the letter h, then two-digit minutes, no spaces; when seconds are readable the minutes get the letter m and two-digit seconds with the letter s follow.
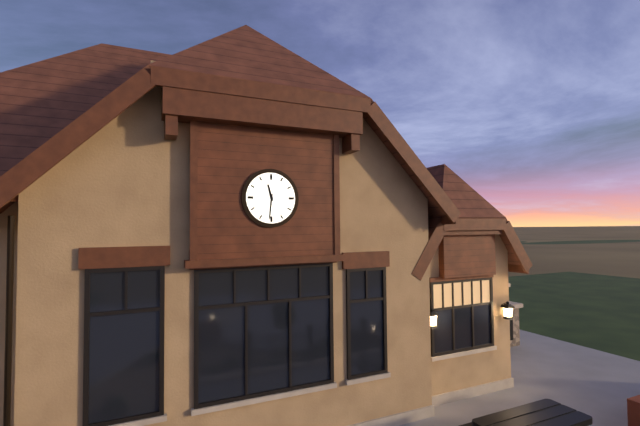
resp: 11h31
